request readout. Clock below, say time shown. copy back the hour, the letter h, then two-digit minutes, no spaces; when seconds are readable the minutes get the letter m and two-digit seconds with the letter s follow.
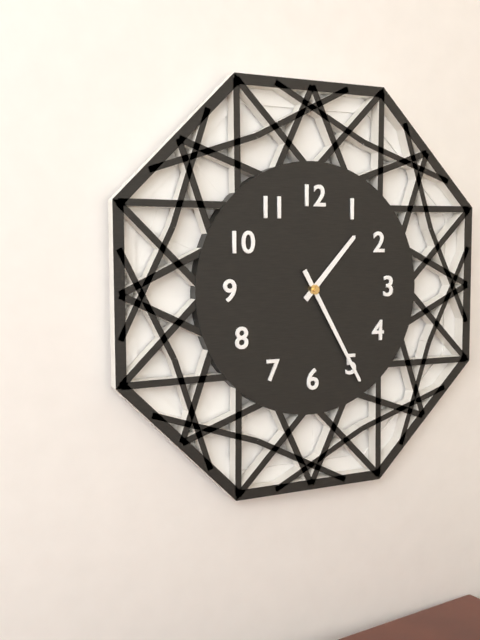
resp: 1h25
